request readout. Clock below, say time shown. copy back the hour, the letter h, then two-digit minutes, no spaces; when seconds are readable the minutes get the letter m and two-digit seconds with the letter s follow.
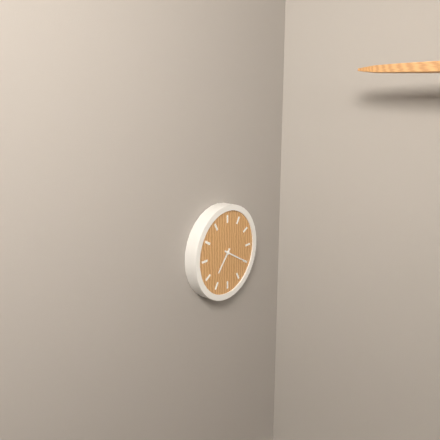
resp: 7h20
